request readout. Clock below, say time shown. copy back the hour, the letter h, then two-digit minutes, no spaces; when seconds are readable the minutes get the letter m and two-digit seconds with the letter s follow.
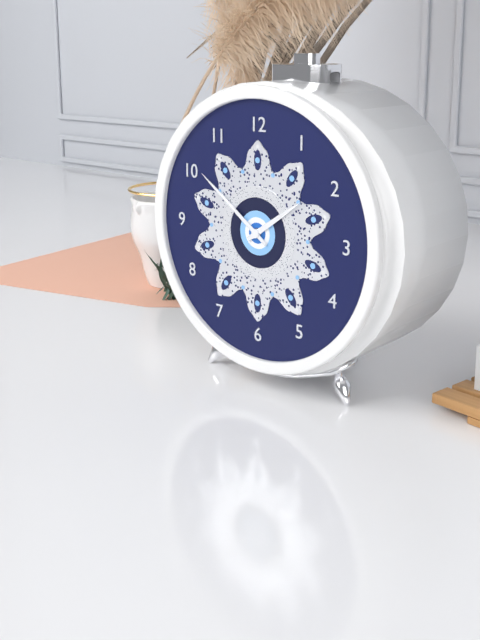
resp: 1h51
